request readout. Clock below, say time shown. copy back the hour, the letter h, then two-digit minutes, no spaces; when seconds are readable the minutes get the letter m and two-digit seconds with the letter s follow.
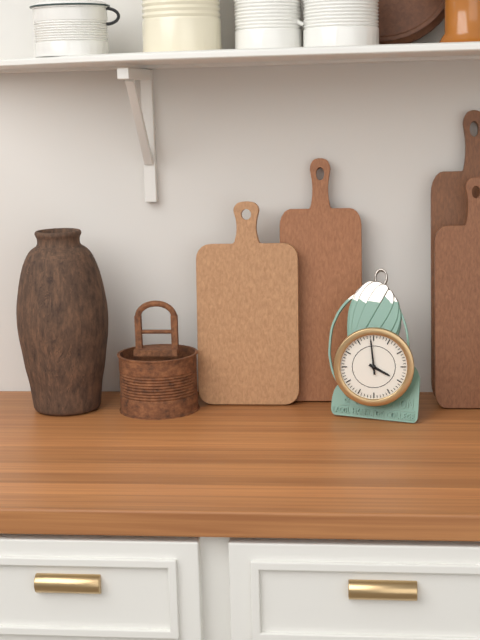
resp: 3h59
